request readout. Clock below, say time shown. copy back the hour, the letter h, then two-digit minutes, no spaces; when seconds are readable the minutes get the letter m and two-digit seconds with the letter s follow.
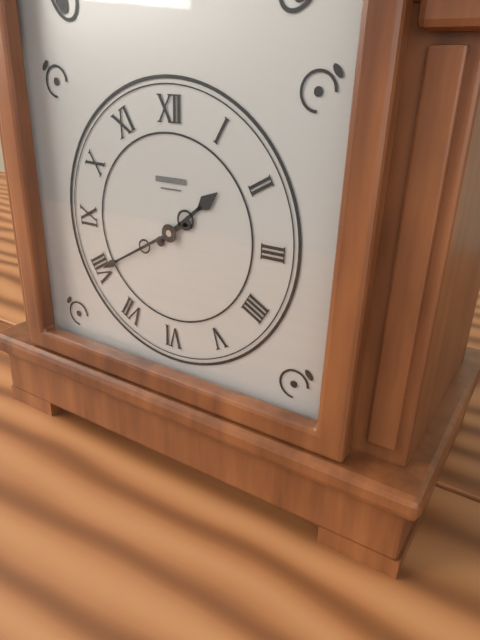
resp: 1h40
